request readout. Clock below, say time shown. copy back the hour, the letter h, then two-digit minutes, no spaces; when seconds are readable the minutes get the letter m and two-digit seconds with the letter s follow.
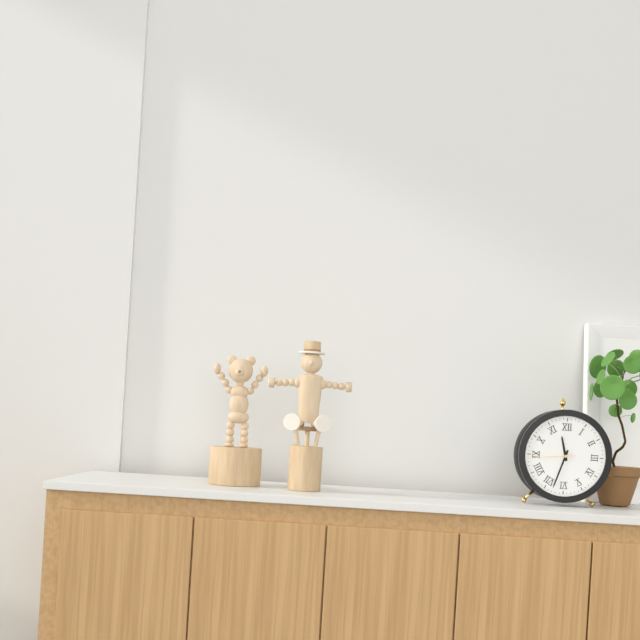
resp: 11h33
